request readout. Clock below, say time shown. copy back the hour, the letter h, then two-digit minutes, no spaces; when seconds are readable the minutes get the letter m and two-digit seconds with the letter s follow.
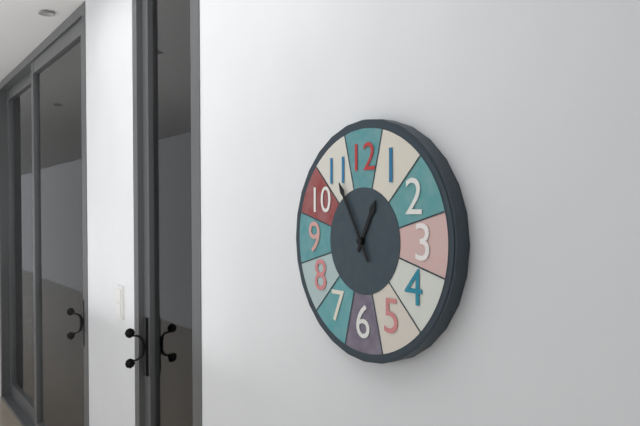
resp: 12h55
